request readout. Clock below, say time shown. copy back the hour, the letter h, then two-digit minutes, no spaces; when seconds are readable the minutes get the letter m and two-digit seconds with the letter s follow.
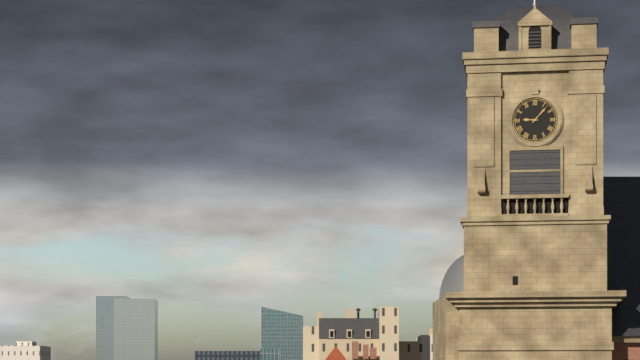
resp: 9h07
